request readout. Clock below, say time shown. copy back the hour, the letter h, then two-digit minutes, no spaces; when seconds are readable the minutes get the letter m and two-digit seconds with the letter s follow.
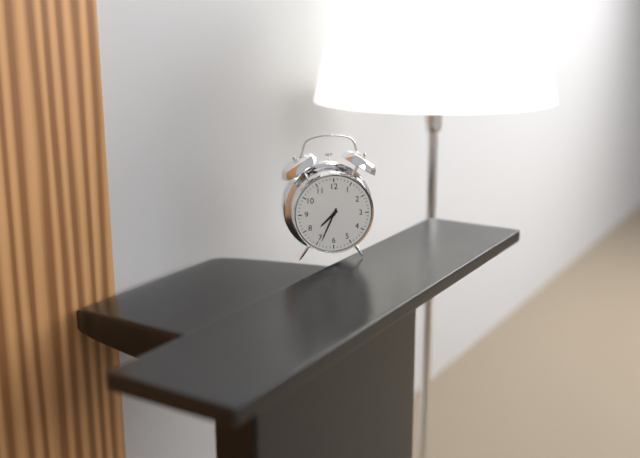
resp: 7h34
